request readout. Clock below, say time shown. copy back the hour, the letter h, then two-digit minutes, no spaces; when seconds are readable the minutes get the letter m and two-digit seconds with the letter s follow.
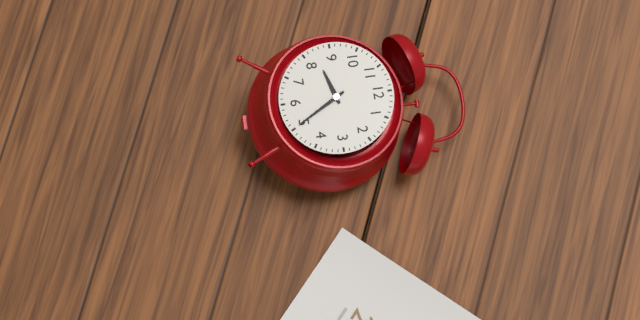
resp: 8h25
